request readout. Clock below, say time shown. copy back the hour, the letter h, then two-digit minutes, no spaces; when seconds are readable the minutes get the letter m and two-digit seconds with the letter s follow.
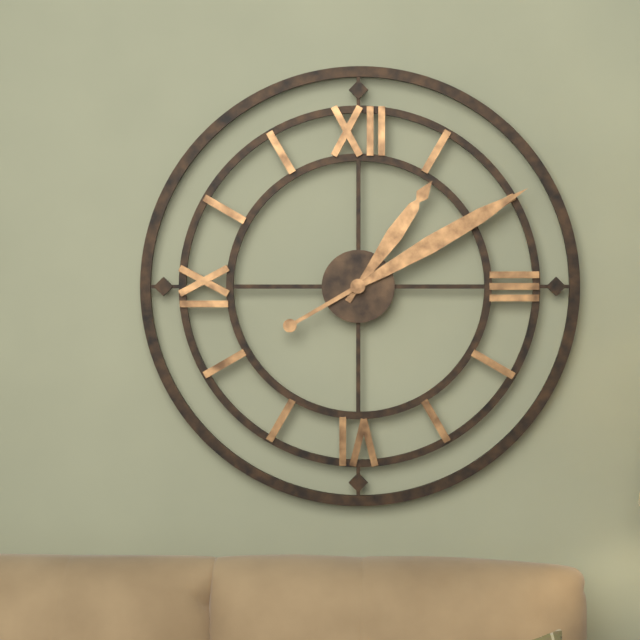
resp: 1h10
